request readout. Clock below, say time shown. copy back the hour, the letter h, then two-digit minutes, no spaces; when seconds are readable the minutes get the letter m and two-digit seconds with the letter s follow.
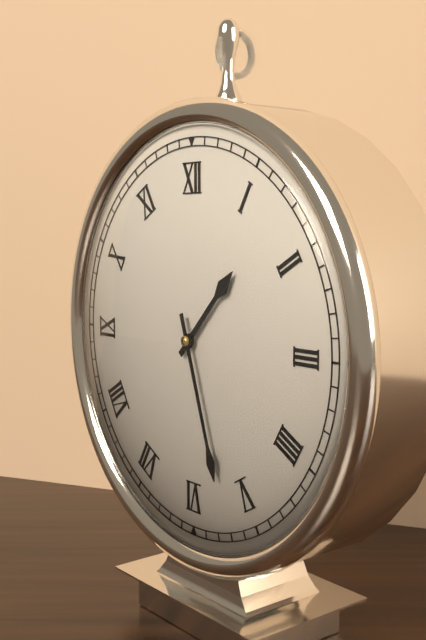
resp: 1h27
